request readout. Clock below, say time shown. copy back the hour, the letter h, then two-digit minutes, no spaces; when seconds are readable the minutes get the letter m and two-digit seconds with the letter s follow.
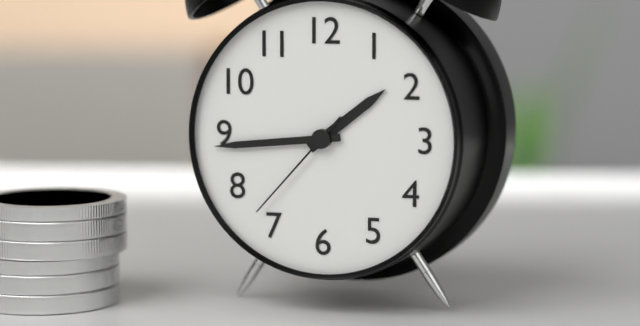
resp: 1h44m37s
